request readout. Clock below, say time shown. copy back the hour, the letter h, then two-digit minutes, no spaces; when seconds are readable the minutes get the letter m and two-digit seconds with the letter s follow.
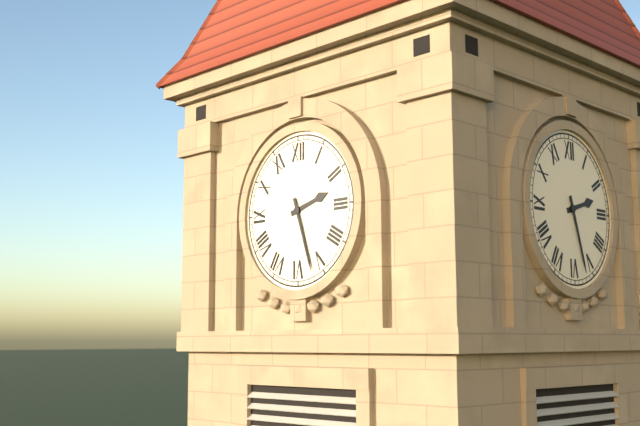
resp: 2h27
